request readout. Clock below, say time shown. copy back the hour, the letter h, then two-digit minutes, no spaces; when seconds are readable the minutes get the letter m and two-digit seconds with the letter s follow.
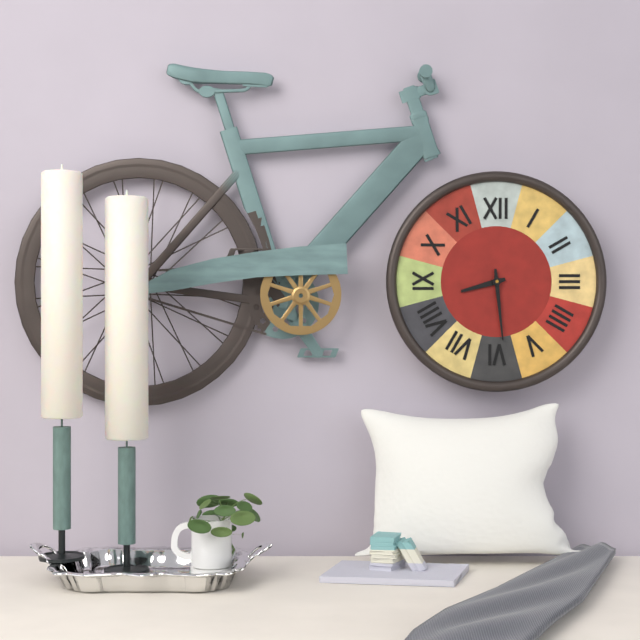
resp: 8h29
